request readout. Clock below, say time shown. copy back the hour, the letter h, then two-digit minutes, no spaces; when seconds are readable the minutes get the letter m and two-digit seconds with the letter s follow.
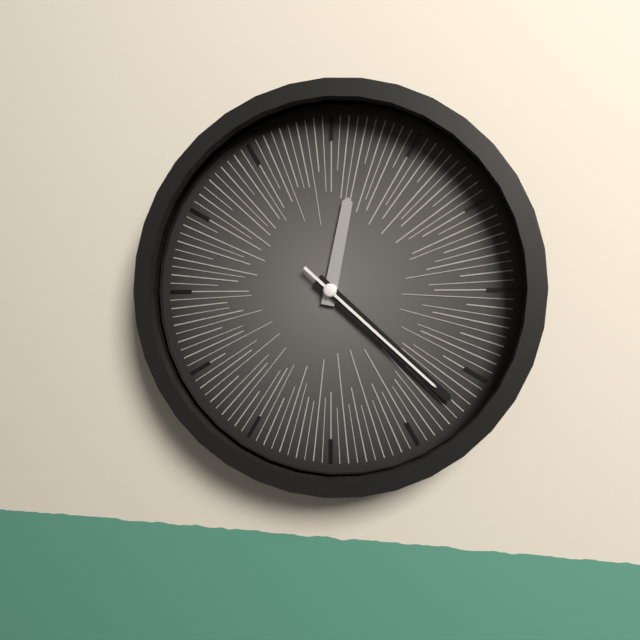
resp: 12h22m22s
